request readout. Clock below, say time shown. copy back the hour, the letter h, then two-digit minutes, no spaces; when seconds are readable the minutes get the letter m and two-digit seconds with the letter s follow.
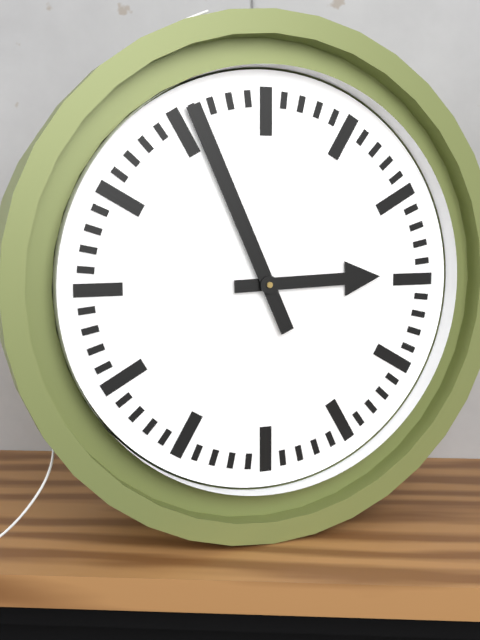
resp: 2h56
